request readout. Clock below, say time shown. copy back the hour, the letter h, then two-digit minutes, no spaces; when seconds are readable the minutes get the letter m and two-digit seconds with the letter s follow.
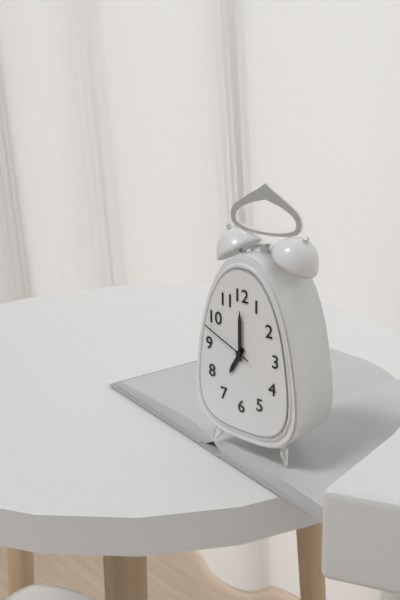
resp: 7h00m49s
